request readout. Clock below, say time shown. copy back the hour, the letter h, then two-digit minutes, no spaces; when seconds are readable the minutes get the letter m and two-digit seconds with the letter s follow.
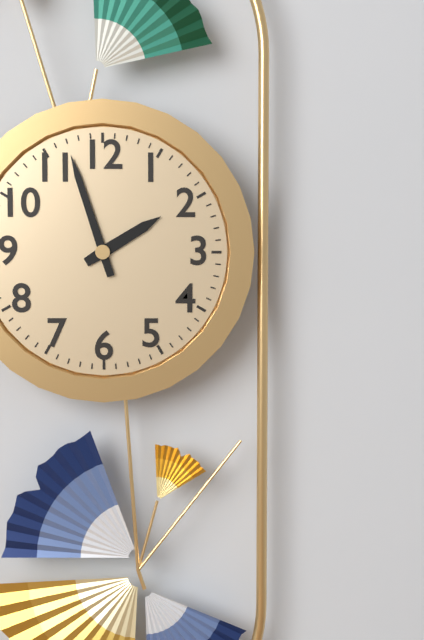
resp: 1h57
